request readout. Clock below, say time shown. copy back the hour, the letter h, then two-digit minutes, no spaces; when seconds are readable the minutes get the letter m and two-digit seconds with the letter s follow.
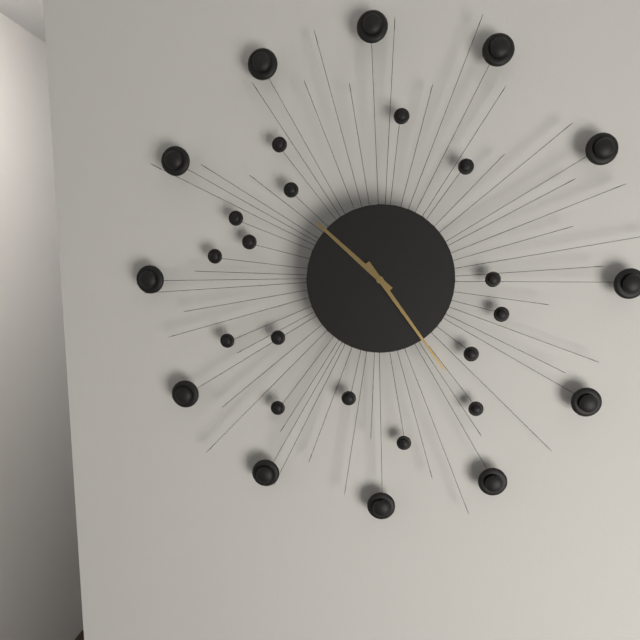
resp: 10h24
